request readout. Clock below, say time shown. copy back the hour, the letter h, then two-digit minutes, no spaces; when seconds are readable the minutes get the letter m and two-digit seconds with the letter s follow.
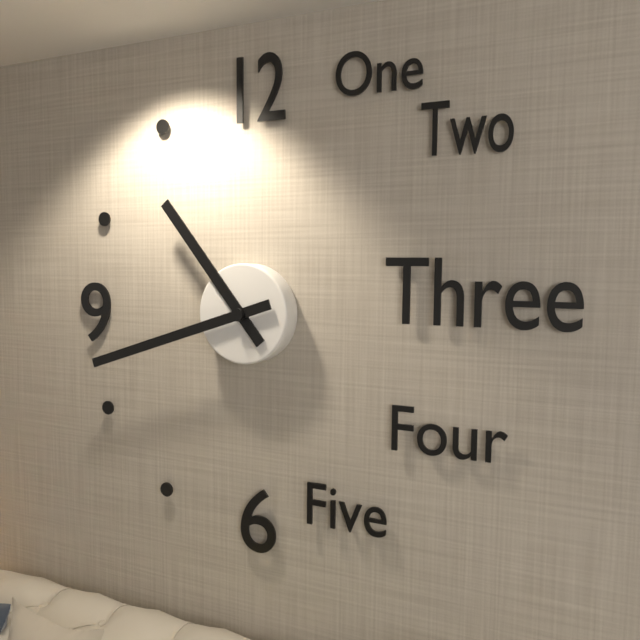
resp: 10h42
